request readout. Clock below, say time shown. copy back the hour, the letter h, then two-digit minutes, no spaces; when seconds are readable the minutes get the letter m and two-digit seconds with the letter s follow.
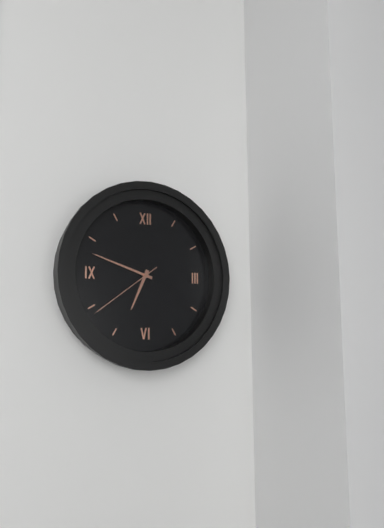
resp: 6h48m39s
